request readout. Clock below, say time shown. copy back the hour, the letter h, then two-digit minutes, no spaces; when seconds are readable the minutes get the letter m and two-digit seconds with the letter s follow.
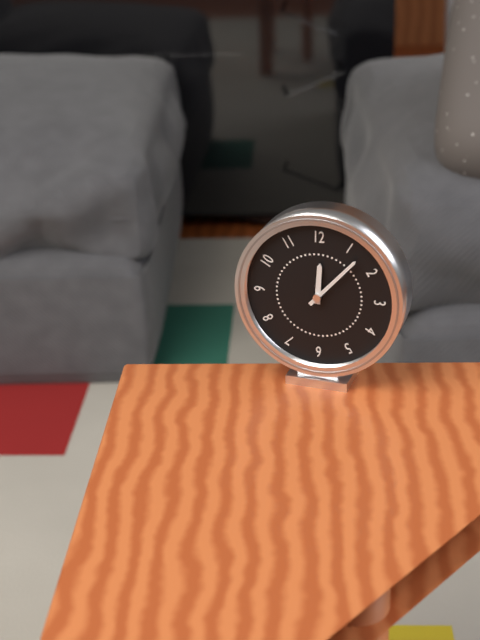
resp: 12h07
